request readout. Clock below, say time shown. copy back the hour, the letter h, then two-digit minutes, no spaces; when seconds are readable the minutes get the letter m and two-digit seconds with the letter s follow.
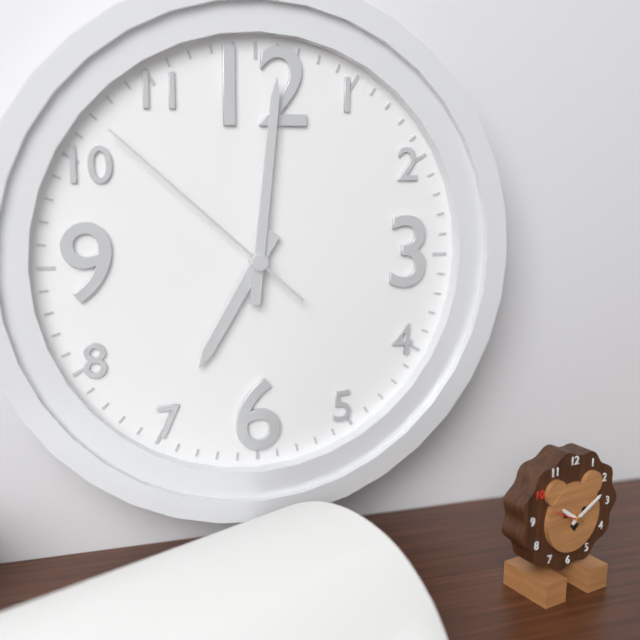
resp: 7h01m52s
